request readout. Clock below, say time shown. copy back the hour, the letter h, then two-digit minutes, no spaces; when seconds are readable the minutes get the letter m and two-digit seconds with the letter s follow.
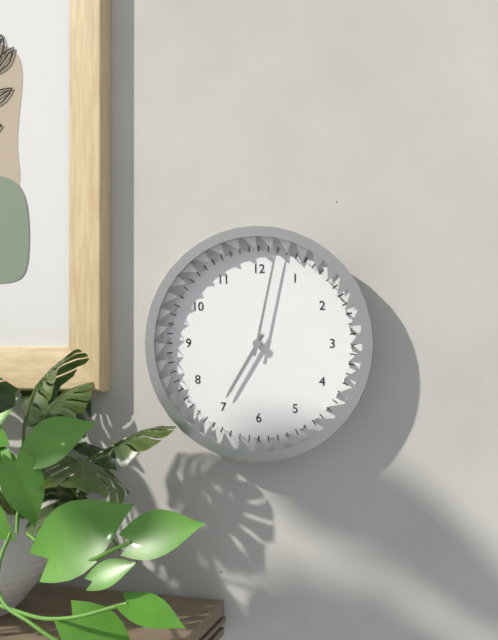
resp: 7h02
